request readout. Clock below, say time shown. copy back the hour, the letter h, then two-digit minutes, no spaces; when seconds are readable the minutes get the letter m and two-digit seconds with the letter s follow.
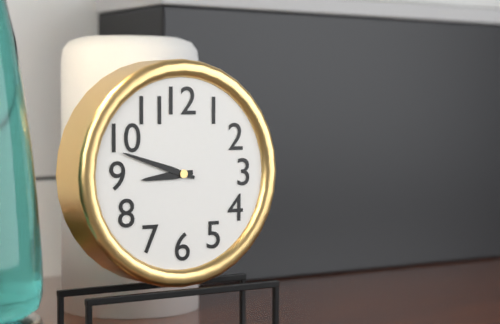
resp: 8h48
